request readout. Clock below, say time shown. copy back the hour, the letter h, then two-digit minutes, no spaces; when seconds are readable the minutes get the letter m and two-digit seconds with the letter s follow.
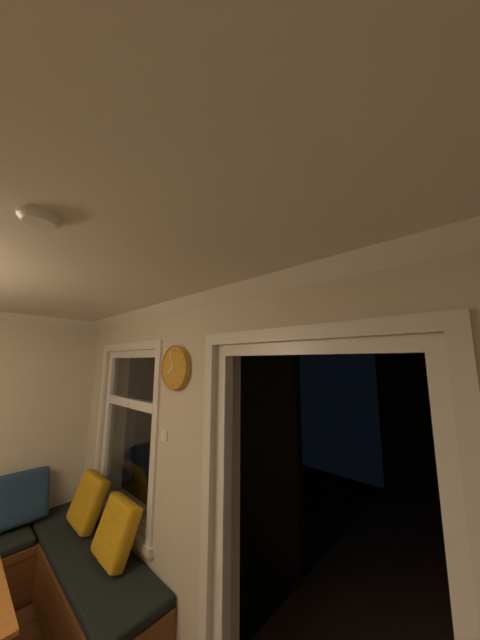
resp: 7h56
